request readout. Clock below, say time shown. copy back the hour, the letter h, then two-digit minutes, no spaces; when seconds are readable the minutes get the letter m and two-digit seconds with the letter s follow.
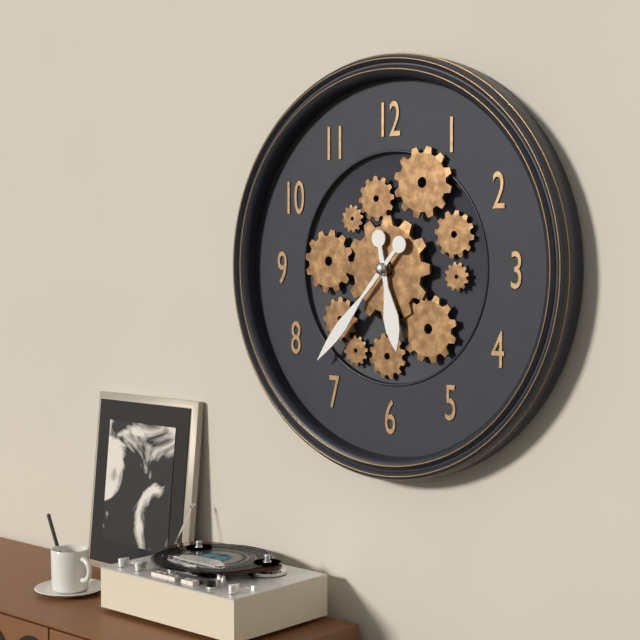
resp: 5h37
